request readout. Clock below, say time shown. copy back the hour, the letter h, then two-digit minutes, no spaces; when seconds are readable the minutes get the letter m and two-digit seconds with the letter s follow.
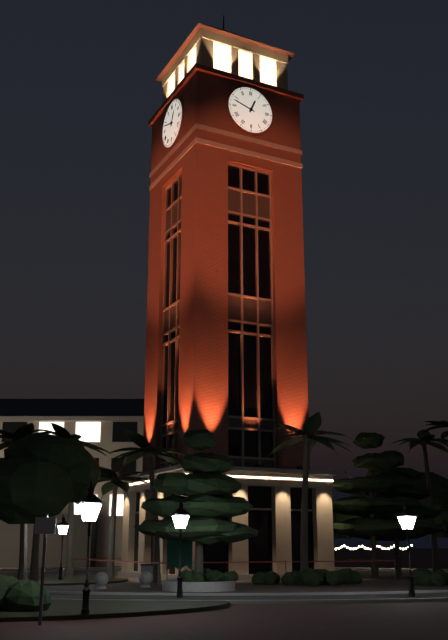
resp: 12h48
